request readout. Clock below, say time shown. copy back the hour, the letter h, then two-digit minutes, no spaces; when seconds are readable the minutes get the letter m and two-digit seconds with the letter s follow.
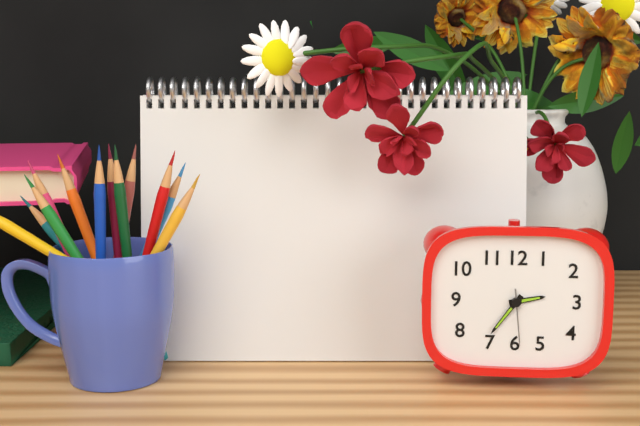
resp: 2h36m29s
